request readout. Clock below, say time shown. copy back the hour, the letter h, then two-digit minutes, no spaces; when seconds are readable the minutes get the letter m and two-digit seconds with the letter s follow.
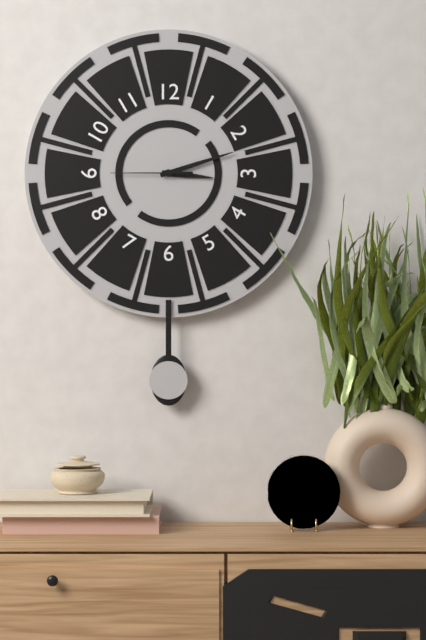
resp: 3h12m45s
